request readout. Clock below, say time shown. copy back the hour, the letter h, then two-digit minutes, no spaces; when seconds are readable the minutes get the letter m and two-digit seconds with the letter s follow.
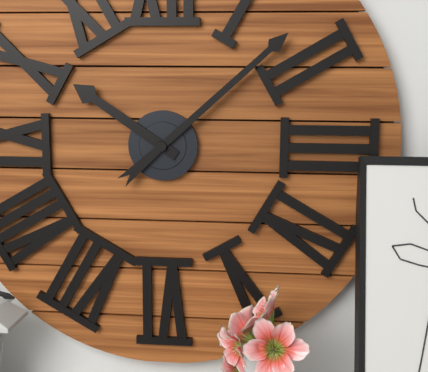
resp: 10h08
